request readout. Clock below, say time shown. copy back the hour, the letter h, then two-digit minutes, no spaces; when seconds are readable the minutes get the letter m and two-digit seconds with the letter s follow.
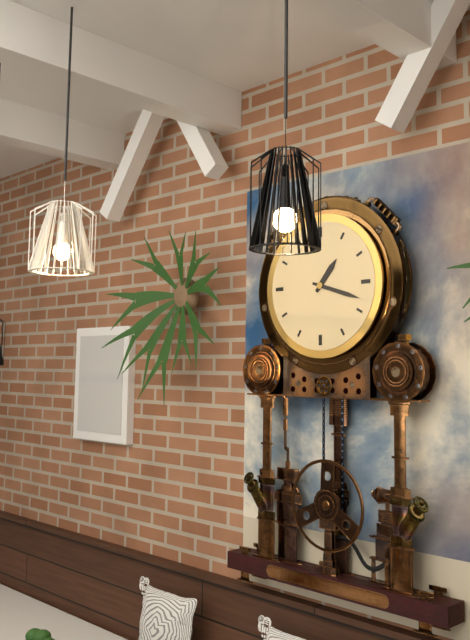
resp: 1h18
